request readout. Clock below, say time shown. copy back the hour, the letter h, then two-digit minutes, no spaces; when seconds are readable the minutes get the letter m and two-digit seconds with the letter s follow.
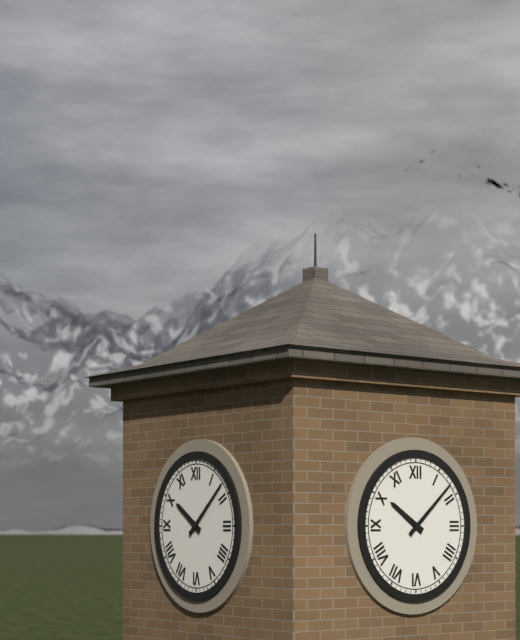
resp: 10h08
